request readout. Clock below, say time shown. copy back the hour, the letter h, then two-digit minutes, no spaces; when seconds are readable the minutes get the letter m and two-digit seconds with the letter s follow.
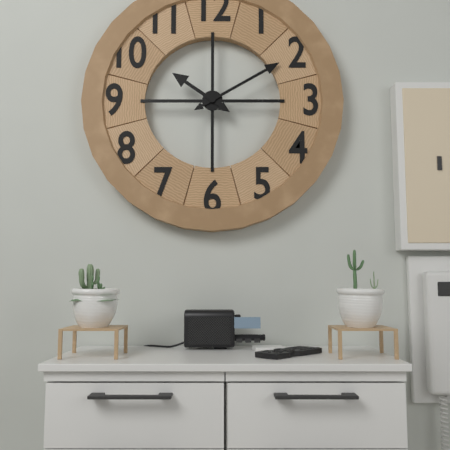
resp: 10h10
